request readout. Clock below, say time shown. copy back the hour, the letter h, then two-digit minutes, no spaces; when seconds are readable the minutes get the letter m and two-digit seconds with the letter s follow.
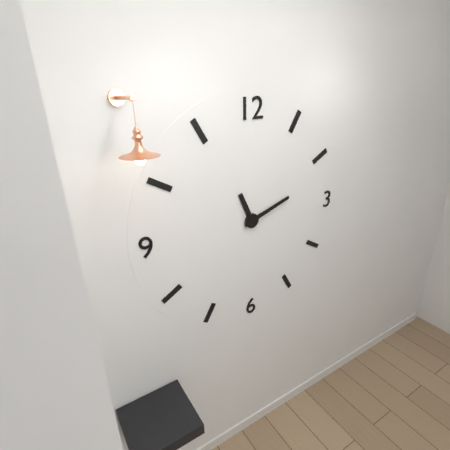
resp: 11h12
